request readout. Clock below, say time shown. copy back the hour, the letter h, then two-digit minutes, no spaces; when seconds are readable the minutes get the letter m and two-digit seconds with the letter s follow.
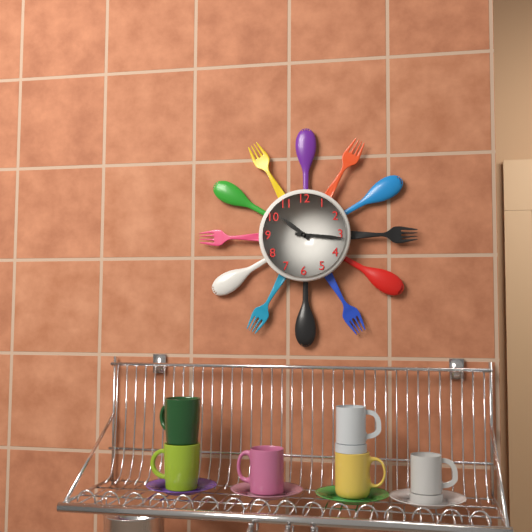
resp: 10h16
